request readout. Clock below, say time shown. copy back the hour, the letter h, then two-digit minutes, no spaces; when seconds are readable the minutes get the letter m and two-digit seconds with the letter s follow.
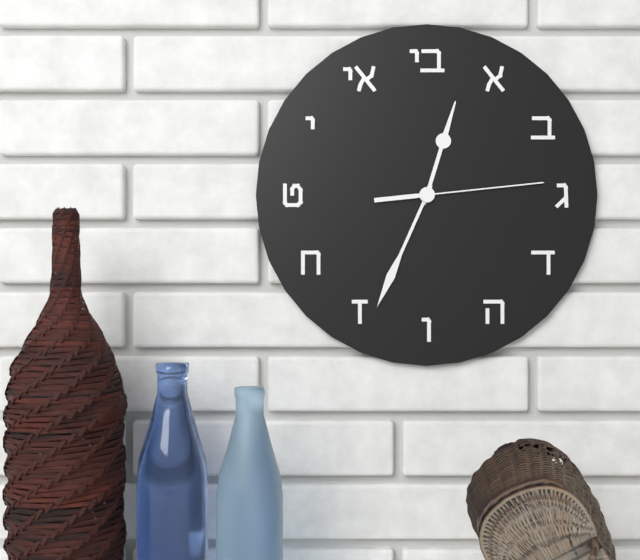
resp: 12h34m14s
